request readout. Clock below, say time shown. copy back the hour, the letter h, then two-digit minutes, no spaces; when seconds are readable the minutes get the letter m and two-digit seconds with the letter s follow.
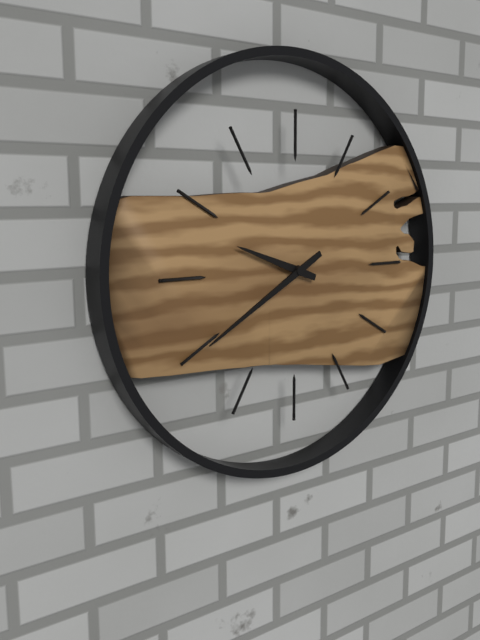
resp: 9h40
